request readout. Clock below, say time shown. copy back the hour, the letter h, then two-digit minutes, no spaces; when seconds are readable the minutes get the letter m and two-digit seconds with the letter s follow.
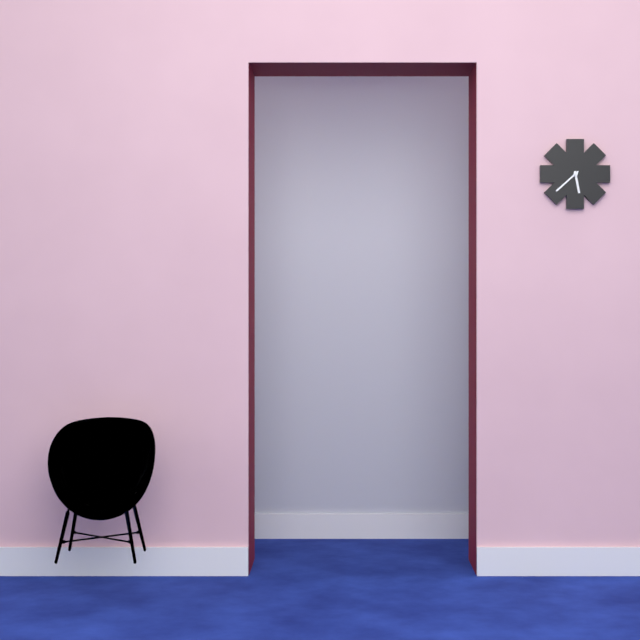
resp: 5h38
